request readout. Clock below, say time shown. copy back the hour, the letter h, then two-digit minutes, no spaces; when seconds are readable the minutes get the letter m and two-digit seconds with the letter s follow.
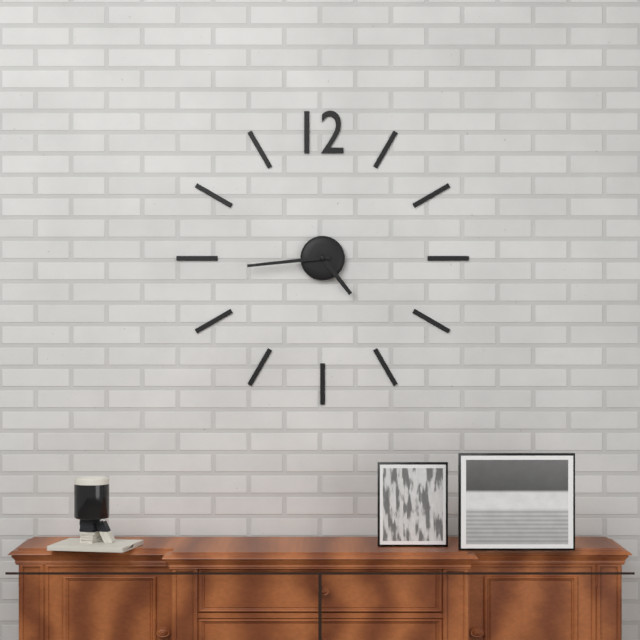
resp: 4h44
